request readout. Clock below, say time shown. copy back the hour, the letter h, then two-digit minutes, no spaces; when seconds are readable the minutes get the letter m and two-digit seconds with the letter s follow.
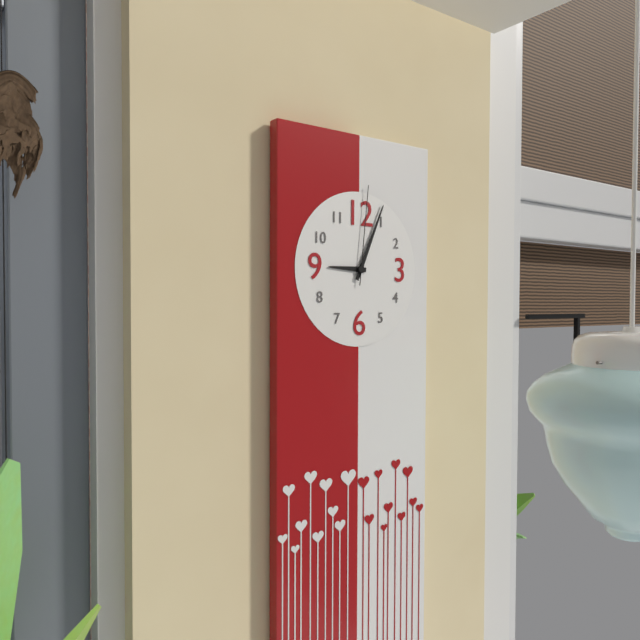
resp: 9h04m01s
